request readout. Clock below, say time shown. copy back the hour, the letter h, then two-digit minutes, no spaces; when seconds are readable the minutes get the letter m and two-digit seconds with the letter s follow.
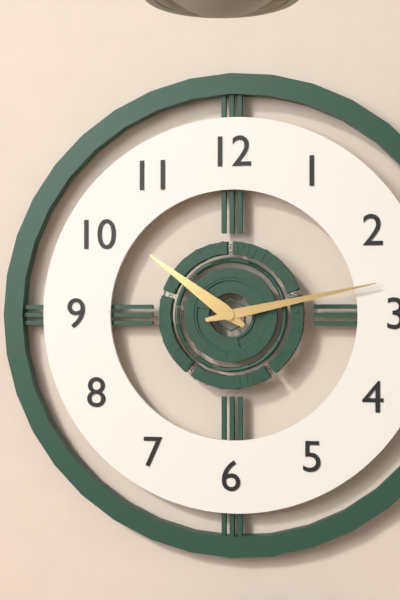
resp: 10h13
